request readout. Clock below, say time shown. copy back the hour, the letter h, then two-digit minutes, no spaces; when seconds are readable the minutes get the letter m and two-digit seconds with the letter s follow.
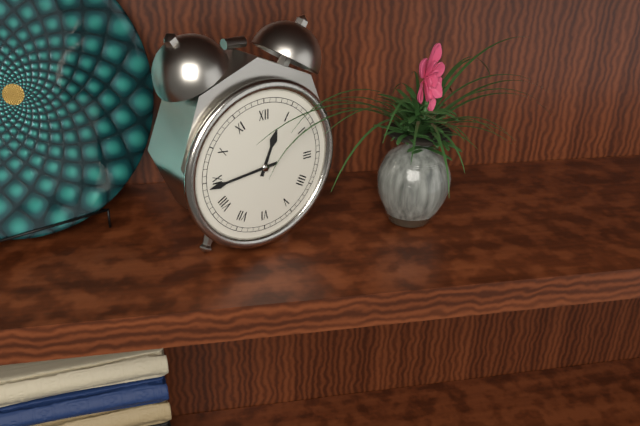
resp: 12h44
